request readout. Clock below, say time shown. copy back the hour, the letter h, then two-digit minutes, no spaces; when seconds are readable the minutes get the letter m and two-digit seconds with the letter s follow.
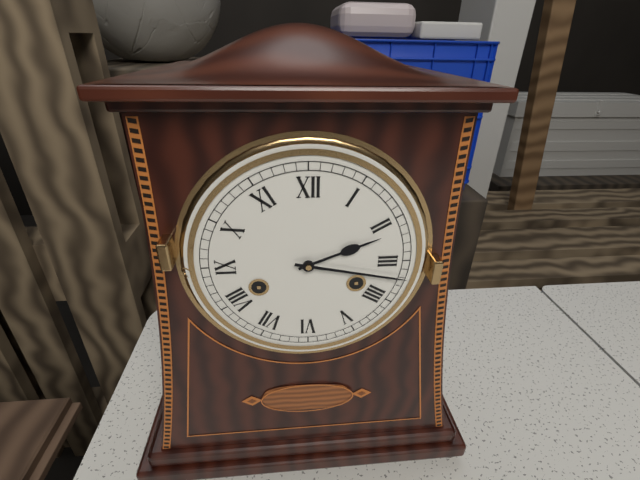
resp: 2h17
